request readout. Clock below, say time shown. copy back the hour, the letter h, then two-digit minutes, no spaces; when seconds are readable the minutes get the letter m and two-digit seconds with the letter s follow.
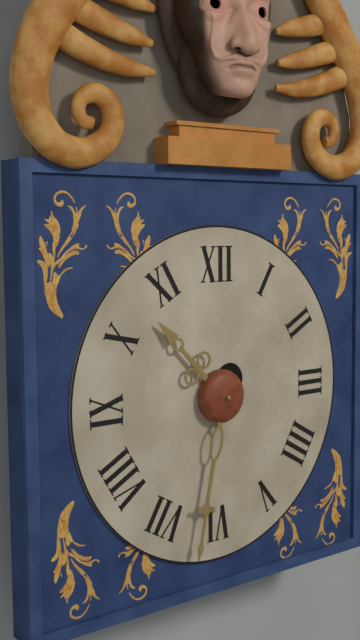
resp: 10h32
